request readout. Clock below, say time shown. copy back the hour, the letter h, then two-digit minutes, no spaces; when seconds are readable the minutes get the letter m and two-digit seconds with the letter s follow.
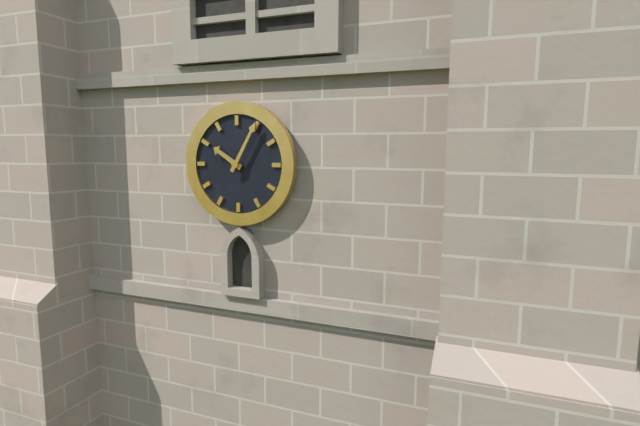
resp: 10h05
